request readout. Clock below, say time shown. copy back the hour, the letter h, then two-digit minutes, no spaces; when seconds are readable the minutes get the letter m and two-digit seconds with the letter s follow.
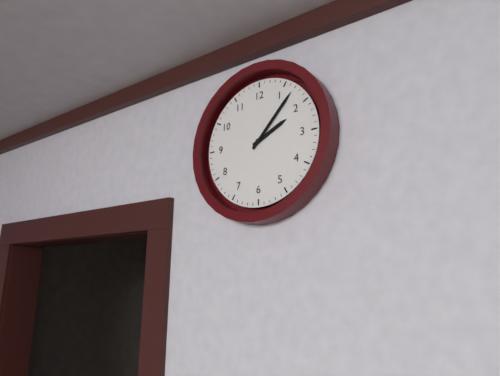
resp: 2h07
